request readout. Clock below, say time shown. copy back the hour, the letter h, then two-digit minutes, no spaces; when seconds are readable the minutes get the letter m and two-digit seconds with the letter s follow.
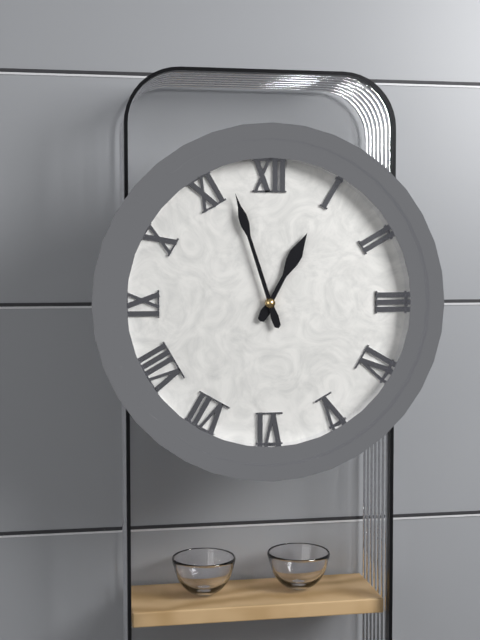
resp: 12h57
